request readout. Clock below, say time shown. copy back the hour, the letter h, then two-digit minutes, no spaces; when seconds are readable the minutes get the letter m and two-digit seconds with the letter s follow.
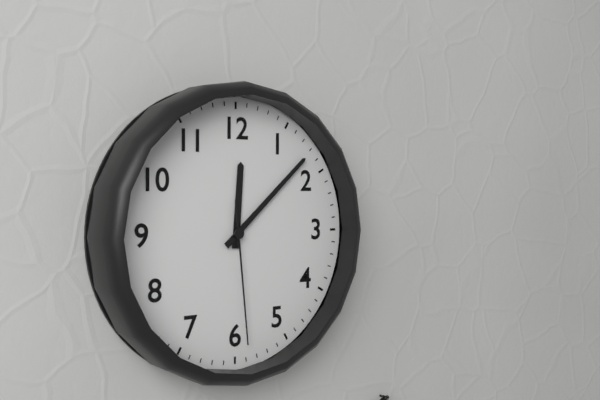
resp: 12h08m29s
